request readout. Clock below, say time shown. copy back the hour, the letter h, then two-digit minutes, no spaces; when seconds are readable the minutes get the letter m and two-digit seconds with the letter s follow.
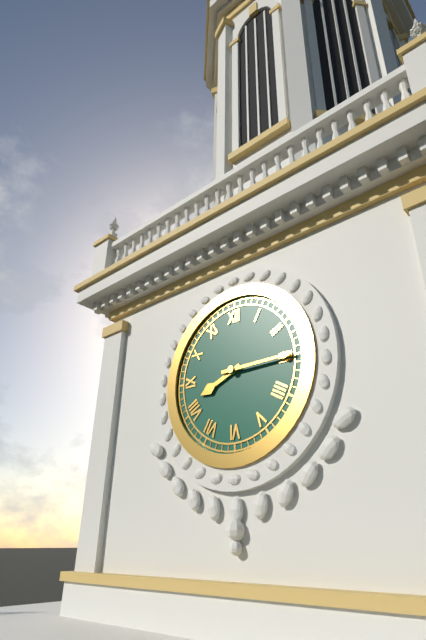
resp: 8h15
